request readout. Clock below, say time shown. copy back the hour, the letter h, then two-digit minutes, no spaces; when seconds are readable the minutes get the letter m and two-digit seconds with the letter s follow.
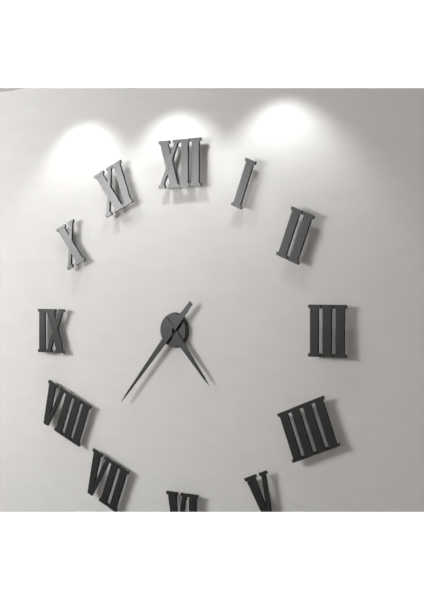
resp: 4h37
